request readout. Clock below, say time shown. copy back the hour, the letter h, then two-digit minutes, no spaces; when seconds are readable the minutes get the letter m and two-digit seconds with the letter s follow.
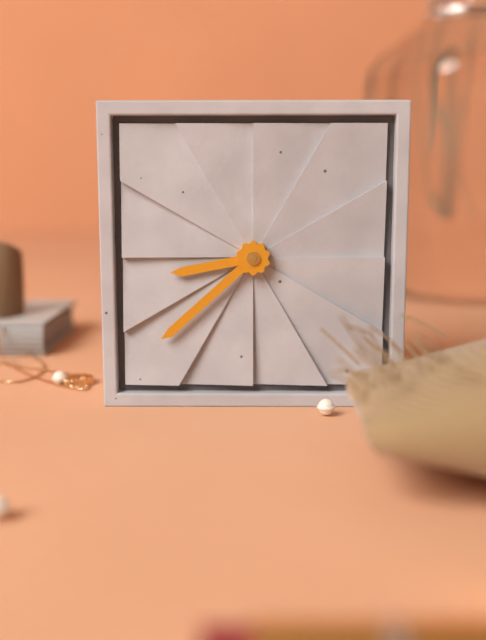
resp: 8h38
